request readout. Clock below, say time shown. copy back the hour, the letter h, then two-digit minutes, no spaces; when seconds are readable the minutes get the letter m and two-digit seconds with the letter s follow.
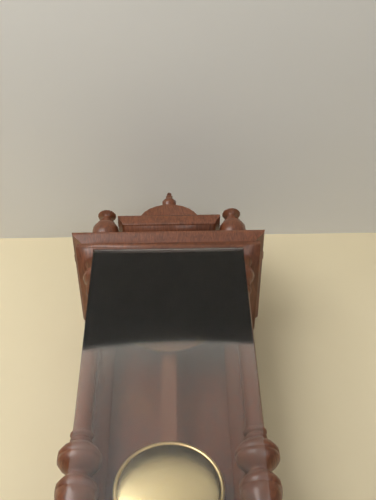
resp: 11h14
